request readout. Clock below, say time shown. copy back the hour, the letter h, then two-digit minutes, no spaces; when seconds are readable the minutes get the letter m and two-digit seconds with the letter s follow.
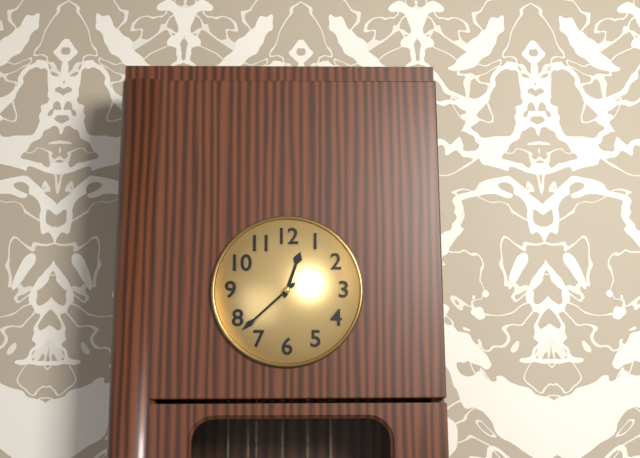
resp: 12h38
